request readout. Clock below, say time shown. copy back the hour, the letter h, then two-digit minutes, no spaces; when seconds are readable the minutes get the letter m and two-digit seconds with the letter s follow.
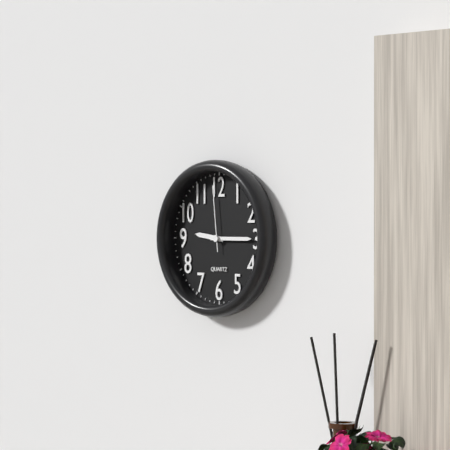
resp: 9h15m59s
